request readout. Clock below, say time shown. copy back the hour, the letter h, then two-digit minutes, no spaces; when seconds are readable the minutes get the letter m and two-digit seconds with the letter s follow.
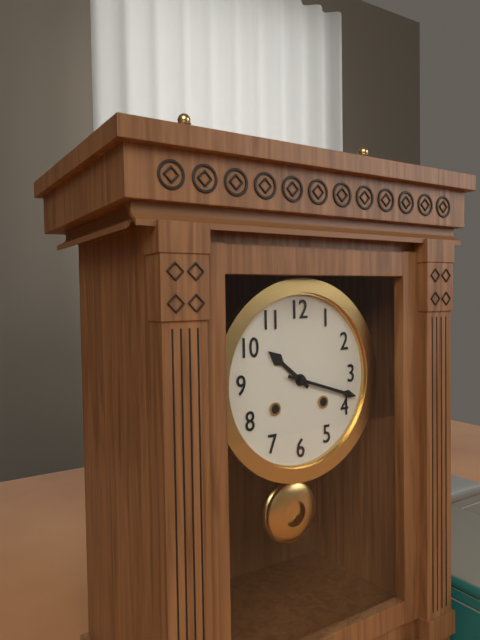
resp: 10h18
